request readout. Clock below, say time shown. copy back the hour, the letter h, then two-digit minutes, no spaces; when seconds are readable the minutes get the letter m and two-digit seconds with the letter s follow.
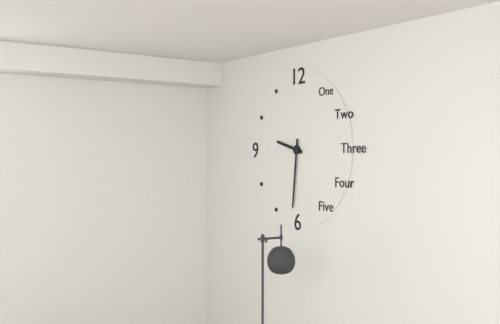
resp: 9h31
